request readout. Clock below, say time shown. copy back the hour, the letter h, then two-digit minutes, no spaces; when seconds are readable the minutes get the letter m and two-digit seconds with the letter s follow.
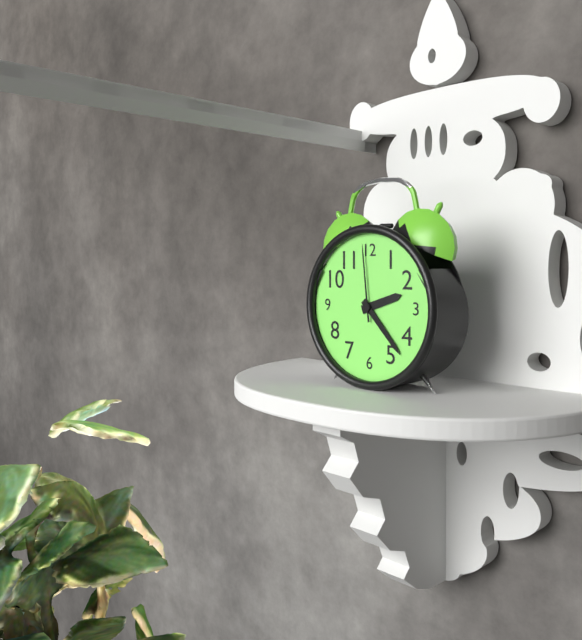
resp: 2h23m59s
